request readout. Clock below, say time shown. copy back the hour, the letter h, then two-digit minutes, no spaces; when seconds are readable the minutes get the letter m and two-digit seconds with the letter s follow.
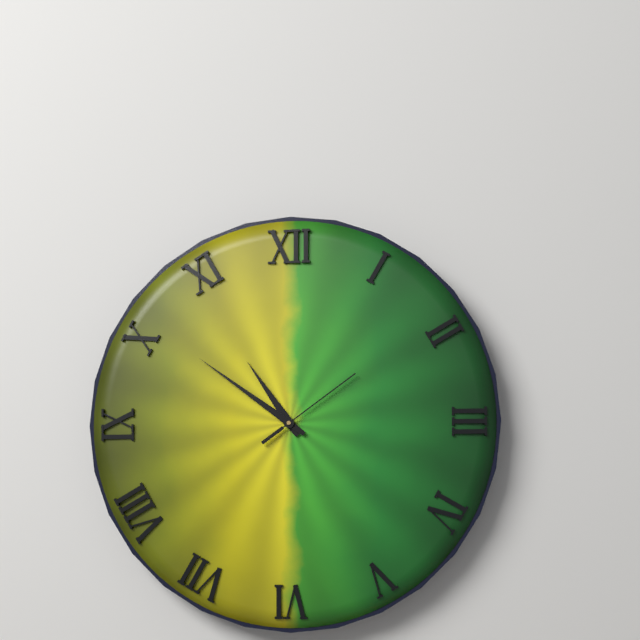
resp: 10h51m09s
